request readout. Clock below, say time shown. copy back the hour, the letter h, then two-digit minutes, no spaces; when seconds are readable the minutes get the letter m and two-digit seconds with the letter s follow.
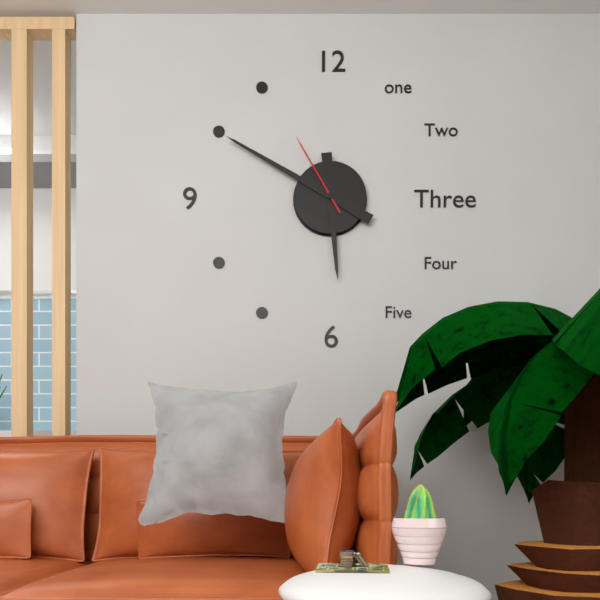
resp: 5h50m55s
